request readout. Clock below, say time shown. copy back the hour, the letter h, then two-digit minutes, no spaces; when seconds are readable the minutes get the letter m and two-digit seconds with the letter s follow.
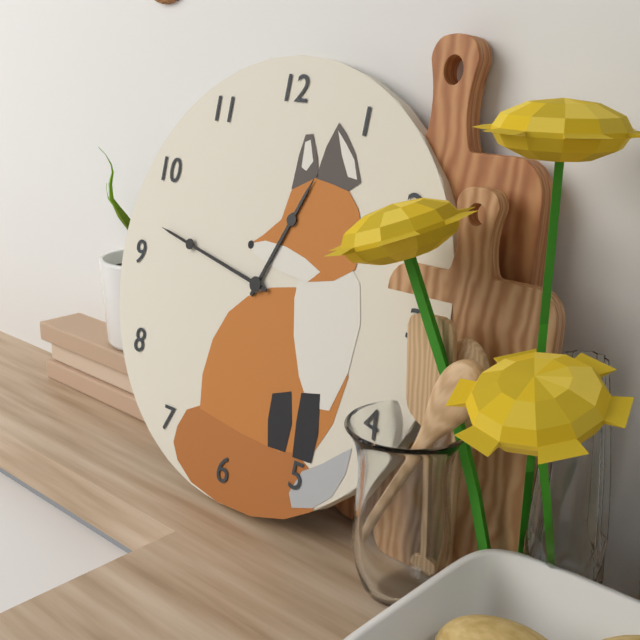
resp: 12h47
